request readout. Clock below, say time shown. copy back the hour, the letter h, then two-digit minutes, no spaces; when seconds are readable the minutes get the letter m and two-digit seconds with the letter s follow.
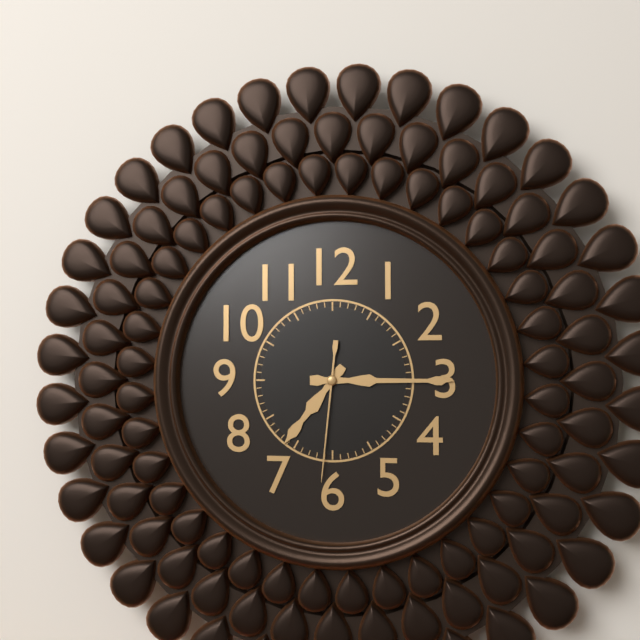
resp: 7h15m31s
